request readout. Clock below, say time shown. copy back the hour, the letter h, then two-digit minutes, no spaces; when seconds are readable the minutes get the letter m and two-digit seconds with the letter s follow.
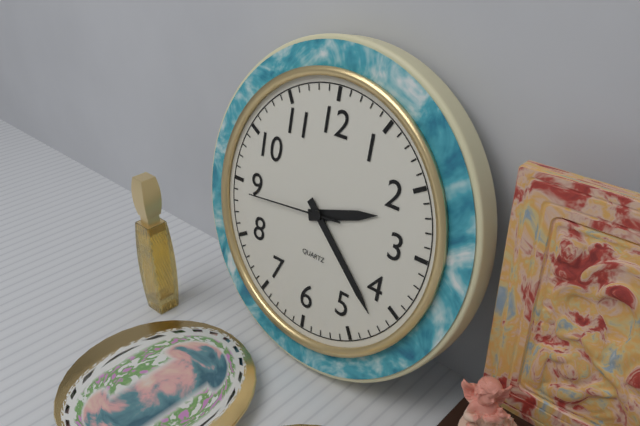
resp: 2h22m44s
